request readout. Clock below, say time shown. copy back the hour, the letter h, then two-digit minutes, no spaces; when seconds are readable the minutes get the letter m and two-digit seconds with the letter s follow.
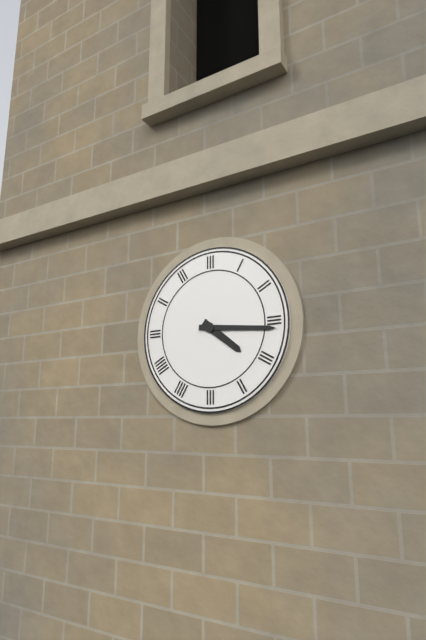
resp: 4h16
